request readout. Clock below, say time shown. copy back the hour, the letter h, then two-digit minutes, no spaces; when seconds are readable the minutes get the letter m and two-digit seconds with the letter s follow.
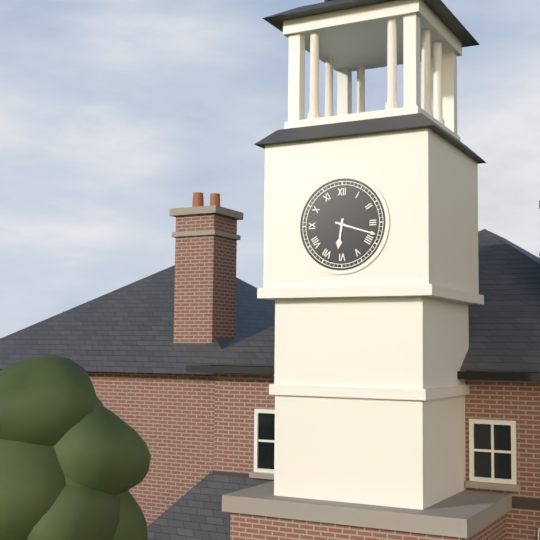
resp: 6h18
